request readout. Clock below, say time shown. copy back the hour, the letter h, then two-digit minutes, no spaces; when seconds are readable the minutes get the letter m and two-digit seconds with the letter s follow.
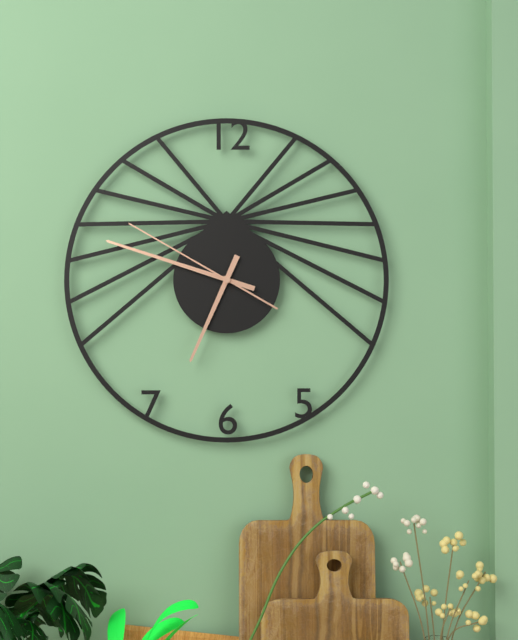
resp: 6h48m50s
